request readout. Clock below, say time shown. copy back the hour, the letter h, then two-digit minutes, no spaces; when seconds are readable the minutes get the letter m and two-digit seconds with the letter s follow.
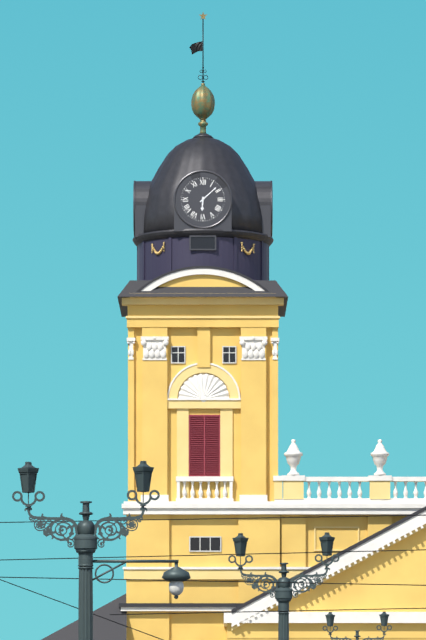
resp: 6h08
